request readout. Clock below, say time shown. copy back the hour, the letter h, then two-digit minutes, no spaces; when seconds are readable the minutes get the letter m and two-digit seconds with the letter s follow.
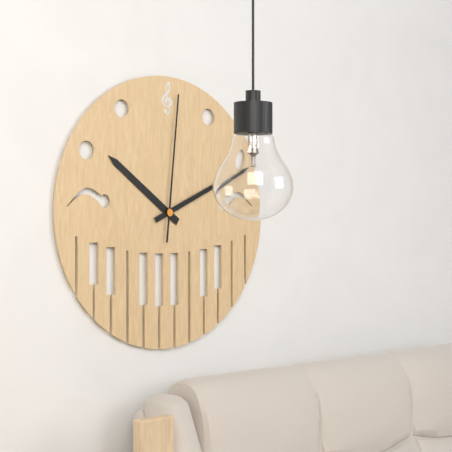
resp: 10h11m01s
